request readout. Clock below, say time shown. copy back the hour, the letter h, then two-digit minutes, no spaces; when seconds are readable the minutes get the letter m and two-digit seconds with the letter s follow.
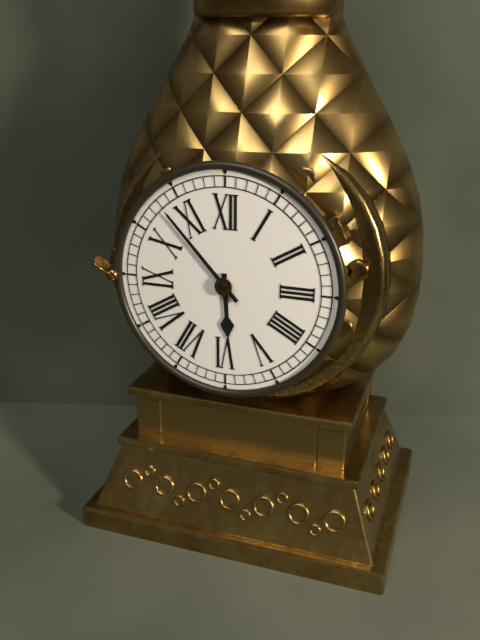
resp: 5h53
